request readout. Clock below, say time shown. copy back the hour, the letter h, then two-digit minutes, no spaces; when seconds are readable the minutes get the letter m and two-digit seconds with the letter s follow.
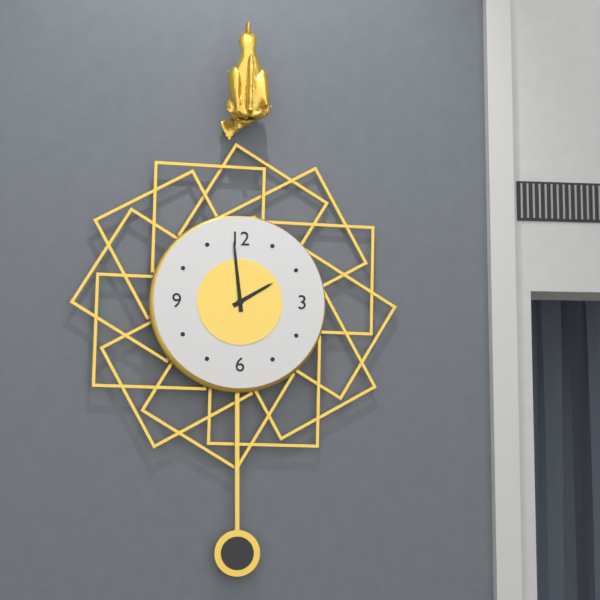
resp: 1h59
